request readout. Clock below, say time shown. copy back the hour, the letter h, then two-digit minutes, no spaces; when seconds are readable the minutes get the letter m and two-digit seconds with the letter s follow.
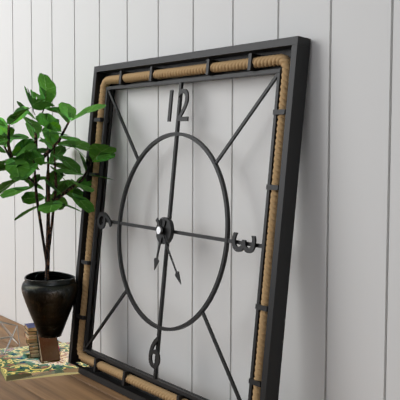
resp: 6h23
